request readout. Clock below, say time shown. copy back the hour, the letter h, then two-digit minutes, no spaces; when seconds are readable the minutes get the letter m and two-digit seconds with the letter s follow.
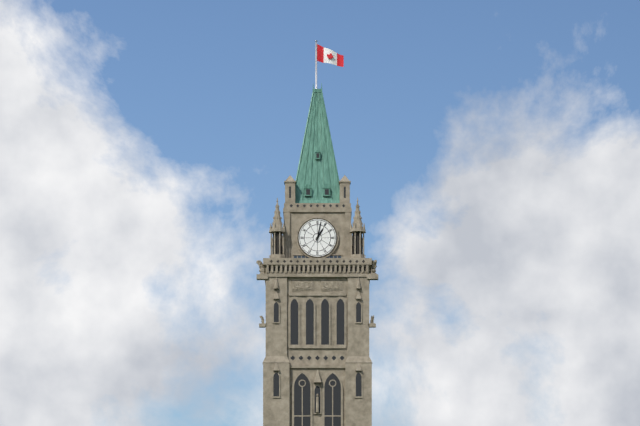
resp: 1h02
